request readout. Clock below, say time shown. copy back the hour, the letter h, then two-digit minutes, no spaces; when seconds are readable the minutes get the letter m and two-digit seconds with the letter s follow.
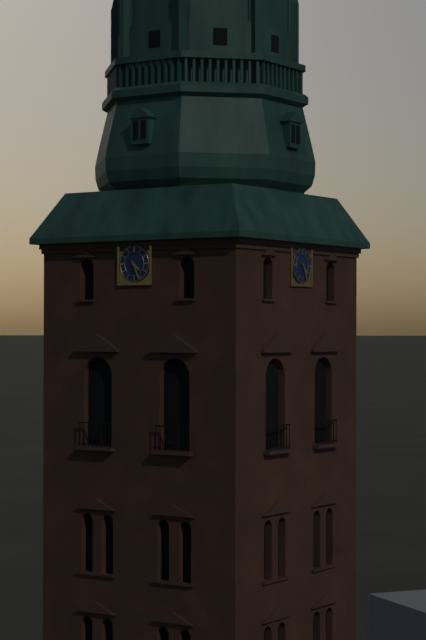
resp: 4h26
